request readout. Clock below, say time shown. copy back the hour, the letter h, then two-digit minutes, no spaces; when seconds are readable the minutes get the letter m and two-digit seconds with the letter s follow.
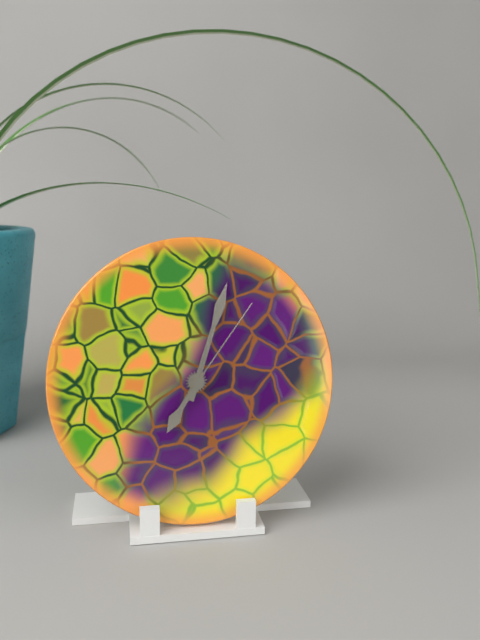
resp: 7h03m06s
